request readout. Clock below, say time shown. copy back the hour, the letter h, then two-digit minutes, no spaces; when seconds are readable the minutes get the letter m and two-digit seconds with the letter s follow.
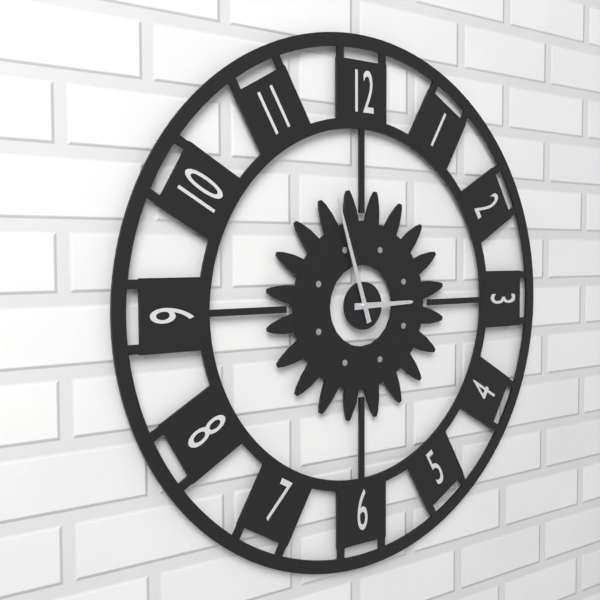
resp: 2h57
